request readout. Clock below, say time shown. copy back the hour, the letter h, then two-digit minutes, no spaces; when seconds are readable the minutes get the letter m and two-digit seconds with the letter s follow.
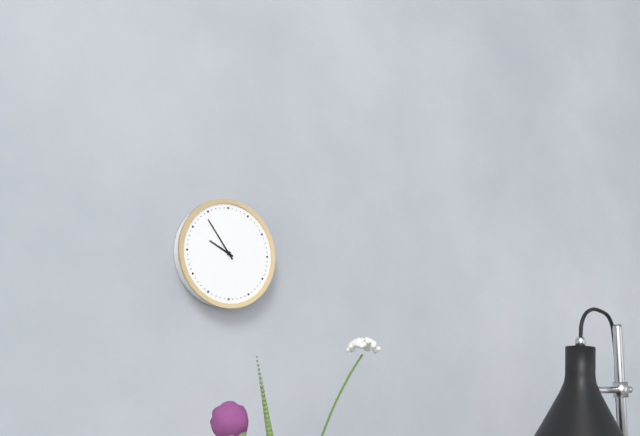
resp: 9h54
